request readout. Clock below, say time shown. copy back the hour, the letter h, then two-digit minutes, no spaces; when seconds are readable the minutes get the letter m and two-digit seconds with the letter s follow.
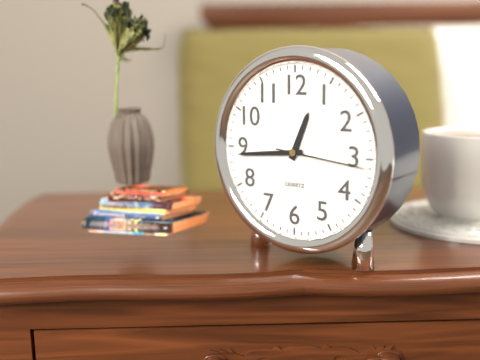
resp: 12h44m16s
